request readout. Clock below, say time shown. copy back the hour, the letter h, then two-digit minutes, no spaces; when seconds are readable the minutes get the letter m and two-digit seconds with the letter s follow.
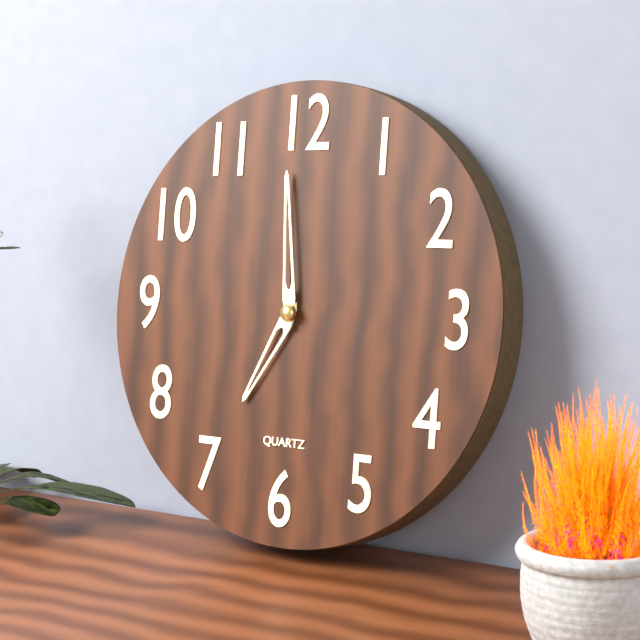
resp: 6h59
